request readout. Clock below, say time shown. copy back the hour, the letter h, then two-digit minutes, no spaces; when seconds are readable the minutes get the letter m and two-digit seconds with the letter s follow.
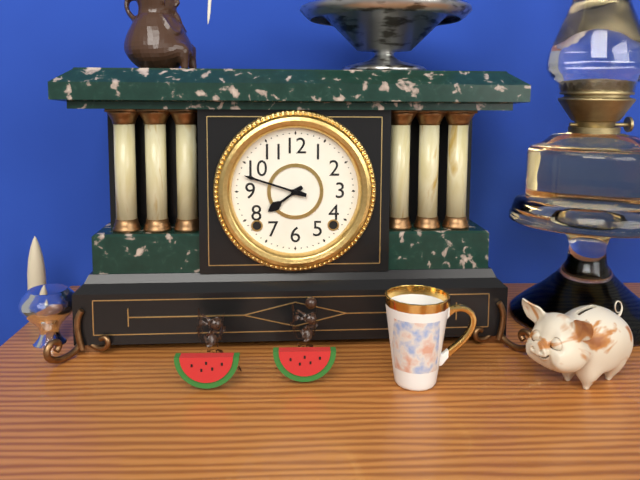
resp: 7h48
